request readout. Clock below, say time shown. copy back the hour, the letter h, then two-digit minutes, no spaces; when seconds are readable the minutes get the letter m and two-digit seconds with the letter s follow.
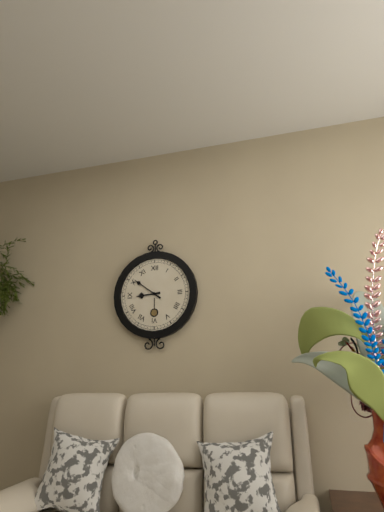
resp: 8h51
